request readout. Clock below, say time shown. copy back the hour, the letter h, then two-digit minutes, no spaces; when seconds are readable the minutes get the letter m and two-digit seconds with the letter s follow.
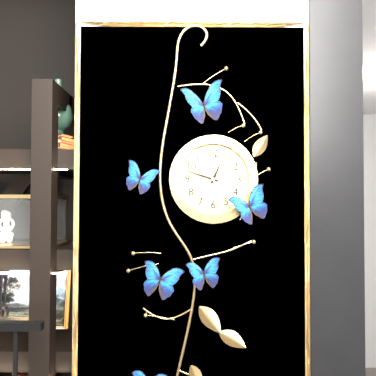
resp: 12h48
